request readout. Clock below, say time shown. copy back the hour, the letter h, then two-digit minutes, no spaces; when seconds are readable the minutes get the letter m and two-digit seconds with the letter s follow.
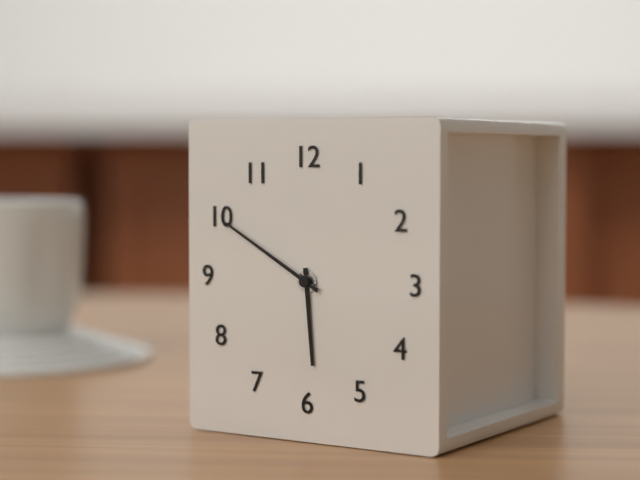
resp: 5h50
